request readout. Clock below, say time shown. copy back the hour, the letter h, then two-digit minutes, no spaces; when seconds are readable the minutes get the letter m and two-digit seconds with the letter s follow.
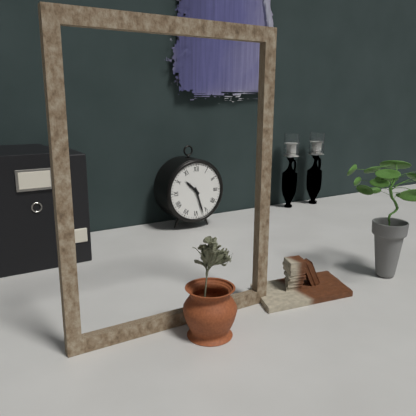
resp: 10h27
